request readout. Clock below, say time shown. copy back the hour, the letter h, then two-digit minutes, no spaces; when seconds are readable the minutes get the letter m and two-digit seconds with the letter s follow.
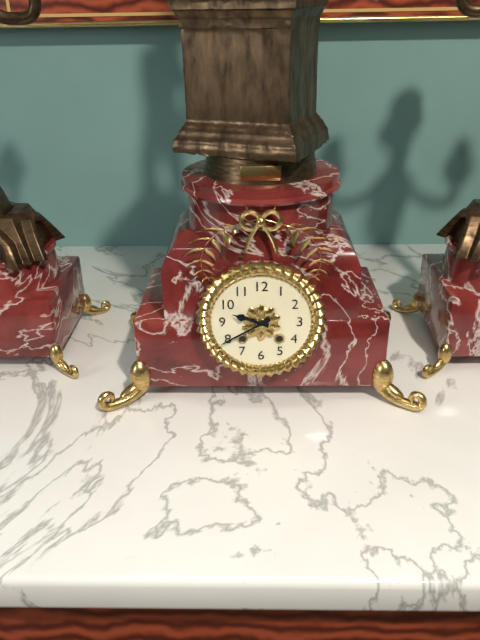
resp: 9h40
